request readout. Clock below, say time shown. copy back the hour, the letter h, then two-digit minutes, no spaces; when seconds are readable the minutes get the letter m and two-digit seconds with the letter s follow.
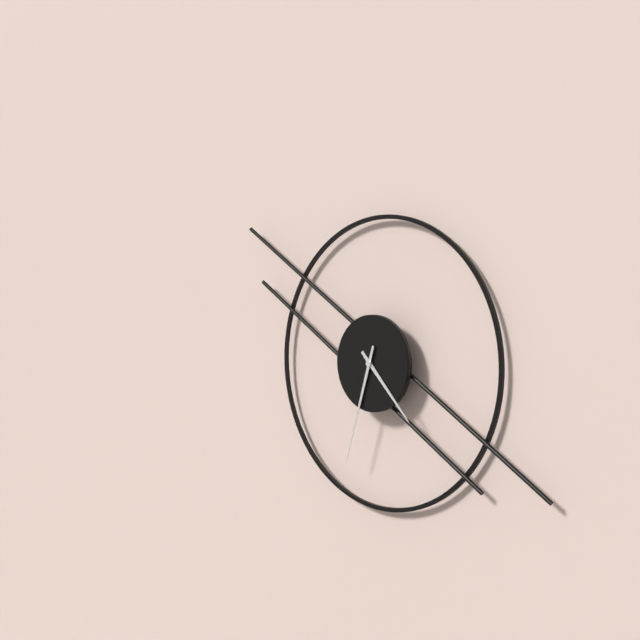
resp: 4h33
